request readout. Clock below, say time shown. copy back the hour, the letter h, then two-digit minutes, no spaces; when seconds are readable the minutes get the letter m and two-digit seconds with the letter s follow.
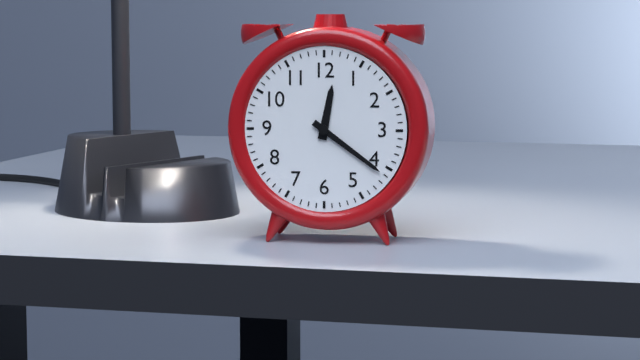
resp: 12h21
